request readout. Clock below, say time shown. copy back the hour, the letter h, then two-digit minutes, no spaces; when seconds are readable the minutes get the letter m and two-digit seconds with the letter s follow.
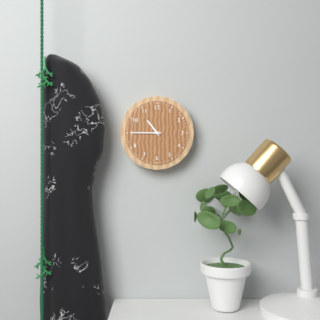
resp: 10h45
